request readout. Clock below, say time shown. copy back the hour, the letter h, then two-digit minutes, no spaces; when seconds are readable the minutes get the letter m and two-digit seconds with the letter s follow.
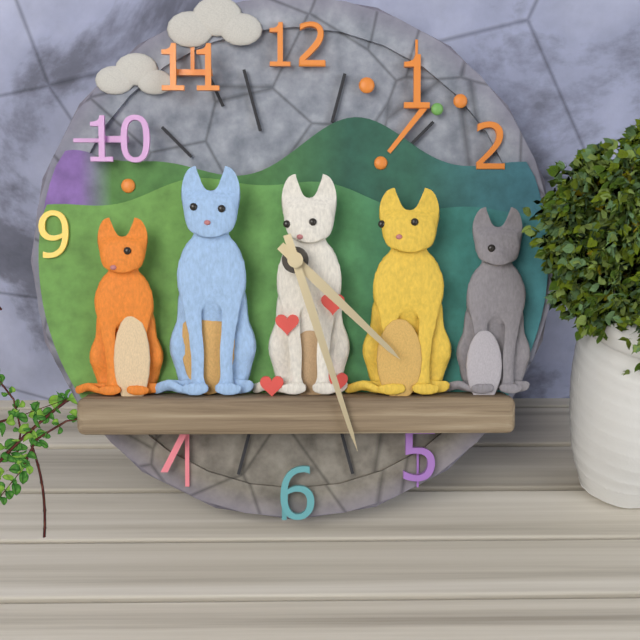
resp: 4h27
